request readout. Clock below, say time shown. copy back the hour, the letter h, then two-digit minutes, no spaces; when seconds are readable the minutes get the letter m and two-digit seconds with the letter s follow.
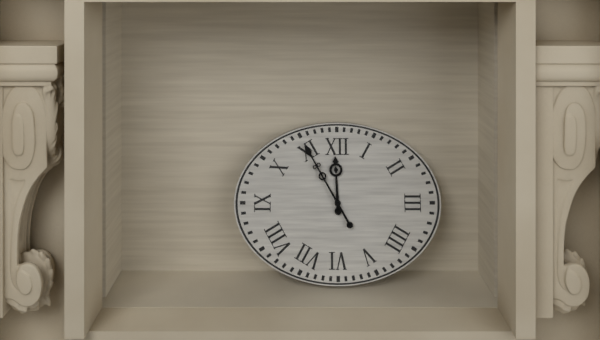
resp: 11h55
